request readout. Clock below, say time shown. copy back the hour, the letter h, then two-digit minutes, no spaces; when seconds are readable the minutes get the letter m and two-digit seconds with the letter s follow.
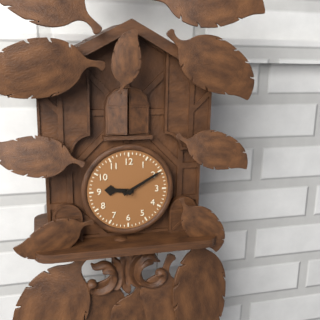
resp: 9h10
